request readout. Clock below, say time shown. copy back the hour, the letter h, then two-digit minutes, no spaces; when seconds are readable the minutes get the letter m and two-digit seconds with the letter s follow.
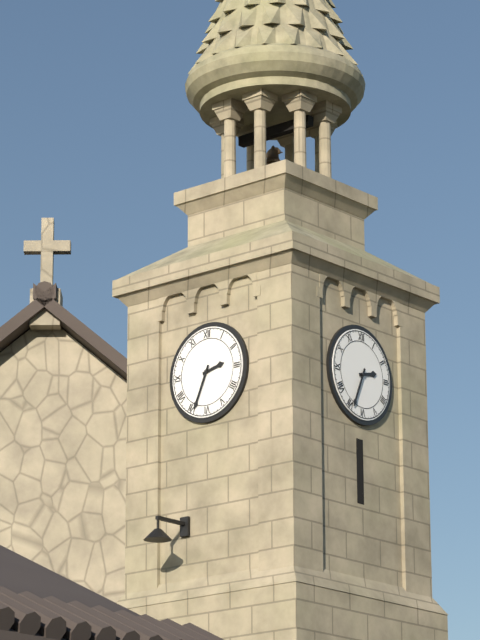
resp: 2h34
